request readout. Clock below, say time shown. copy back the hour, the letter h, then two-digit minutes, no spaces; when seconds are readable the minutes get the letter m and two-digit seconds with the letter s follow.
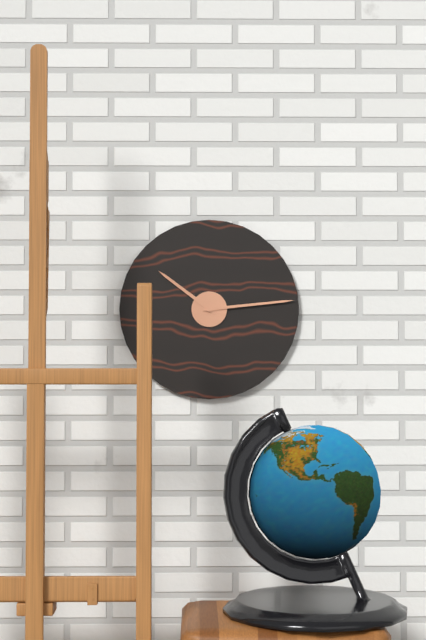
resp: 10h14
